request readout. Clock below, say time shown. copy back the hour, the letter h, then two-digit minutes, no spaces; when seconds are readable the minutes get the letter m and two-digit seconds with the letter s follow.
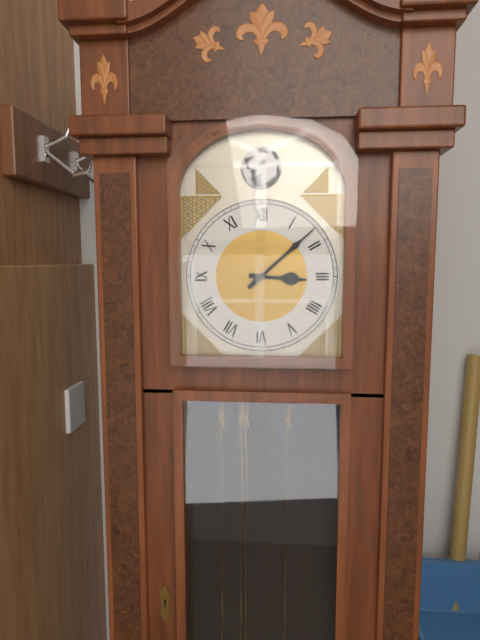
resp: 3h08
